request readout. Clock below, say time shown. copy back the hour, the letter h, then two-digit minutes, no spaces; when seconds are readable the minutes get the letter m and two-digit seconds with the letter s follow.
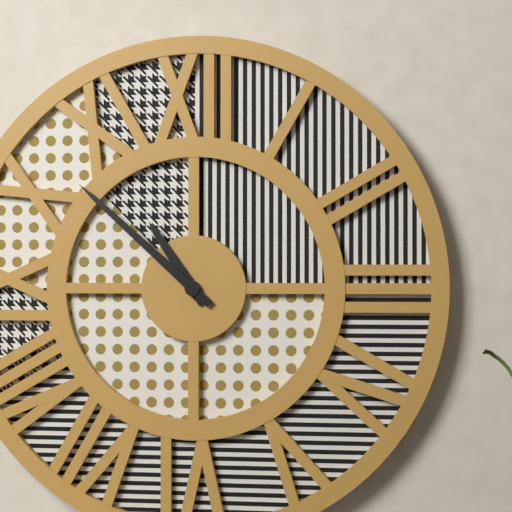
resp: 10h52
